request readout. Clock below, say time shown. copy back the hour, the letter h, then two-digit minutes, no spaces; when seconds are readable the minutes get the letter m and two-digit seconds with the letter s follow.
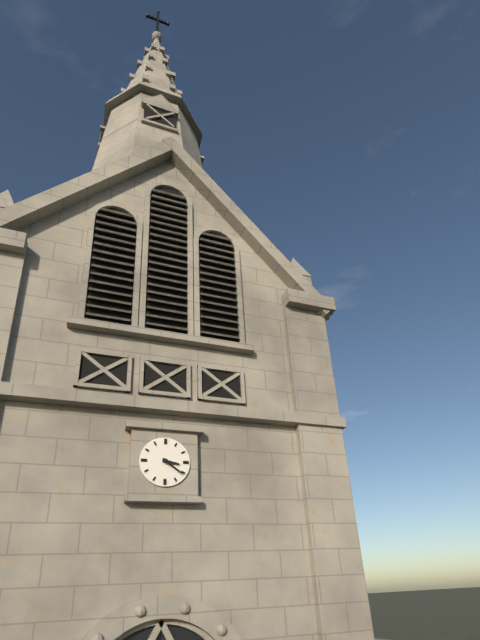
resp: 3h21
